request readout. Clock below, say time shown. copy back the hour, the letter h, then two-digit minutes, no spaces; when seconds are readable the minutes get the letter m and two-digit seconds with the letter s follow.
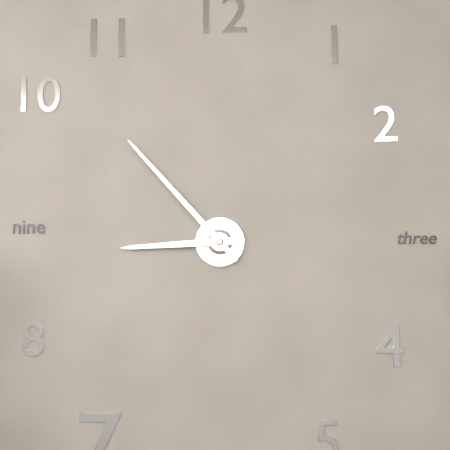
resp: 8h53
